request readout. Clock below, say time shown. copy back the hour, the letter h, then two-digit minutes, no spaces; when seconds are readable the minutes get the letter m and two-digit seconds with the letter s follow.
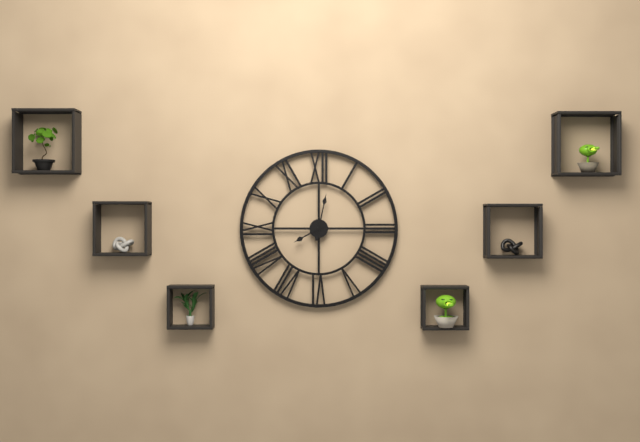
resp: 8h02
